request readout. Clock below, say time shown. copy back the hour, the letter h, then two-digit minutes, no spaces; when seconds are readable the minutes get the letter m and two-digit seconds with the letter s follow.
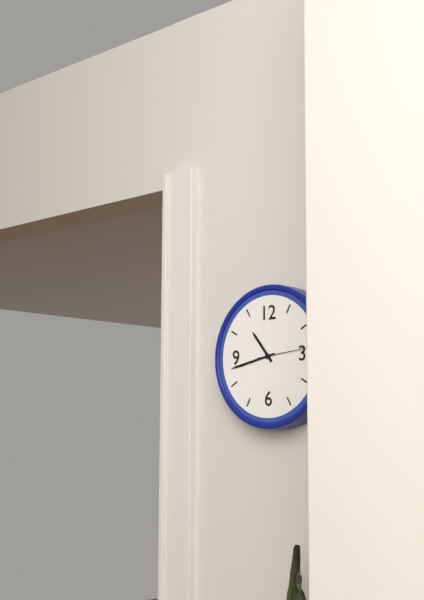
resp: 10h43m14s
